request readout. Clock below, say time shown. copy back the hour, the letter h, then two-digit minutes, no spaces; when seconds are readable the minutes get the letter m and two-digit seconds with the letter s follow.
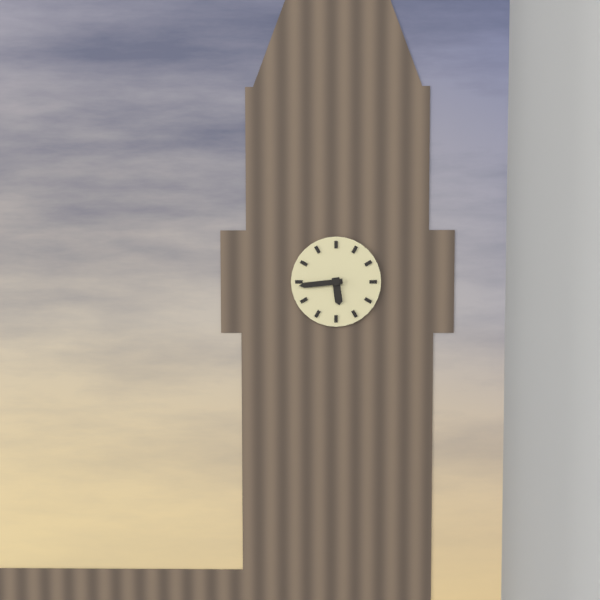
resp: 5h44
